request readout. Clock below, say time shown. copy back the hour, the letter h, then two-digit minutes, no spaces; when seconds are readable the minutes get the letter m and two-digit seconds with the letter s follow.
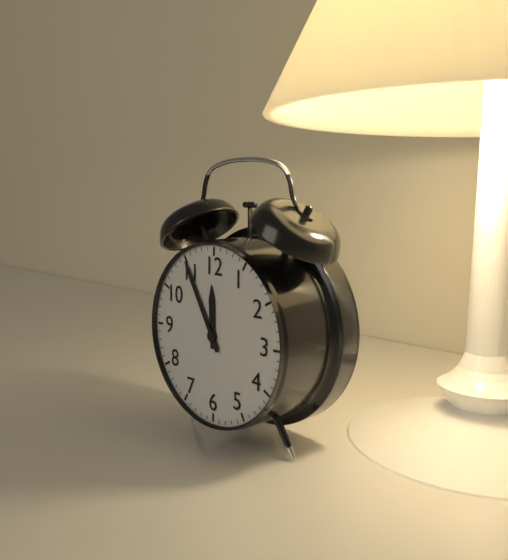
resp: 11h55
